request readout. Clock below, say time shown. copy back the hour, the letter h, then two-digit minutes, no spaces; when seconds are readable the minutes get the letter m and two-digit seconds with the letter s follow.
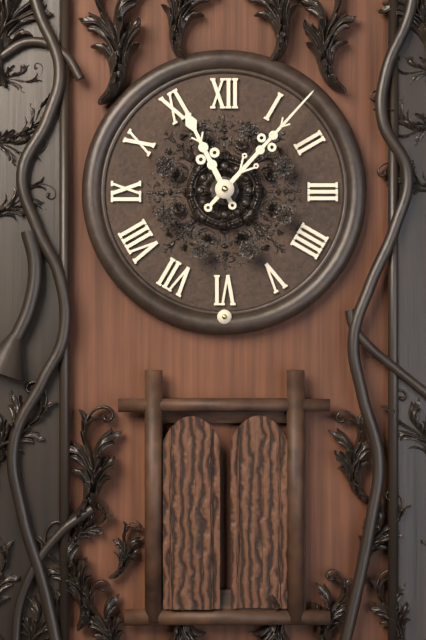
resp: 11h07
